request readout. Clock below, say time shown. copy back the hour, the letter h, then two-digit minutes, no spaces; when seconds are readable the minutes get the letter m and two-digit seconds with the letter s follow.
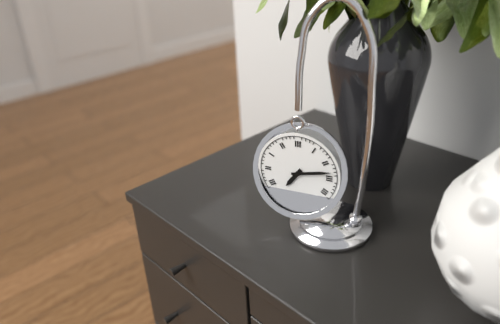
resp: 7h13
